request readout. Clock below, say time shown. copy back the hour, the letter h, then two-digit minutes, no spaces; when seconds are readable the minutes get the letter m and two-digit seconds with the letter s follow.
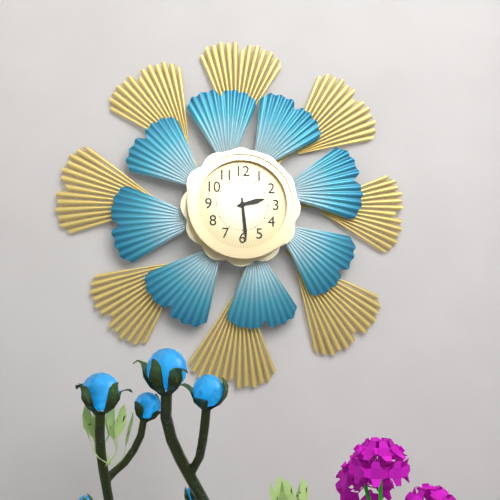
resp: 2h29
